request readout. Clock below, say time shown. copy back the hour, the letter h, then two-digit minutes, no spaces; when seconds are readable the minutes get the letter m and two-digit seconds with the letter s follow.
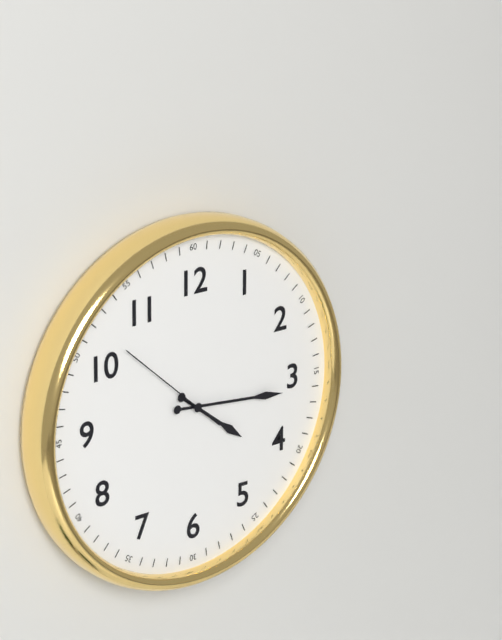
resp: 4h16m52s
